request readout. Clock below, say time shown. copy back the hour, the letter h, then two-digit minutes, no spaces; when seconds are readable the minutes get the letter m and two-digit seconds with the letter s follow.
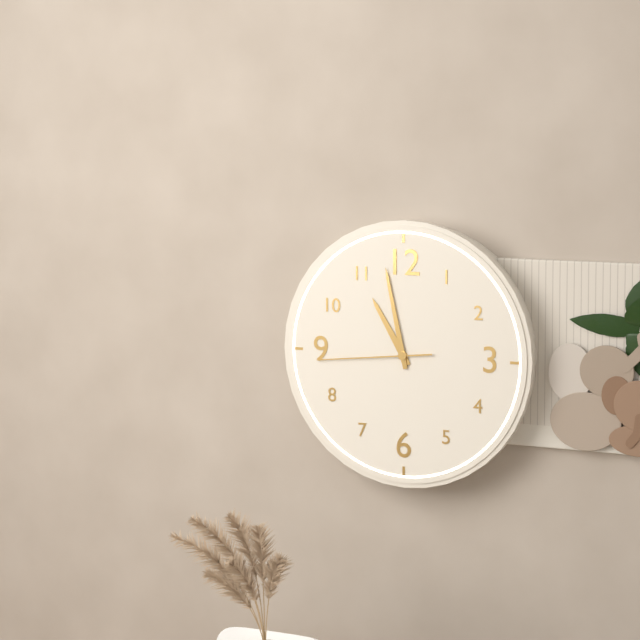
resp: 10h58m44s
